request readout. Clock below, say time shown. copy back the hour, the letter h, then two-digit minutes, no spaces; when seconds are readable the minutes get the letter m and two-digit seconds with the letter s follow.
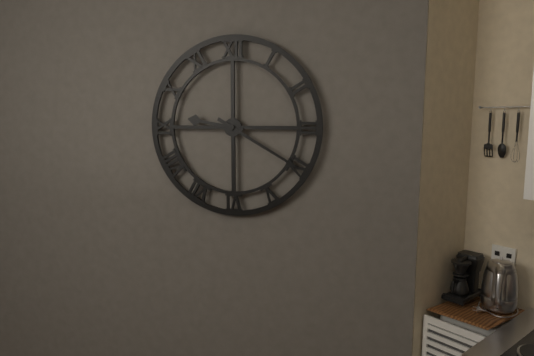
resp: 9h20
